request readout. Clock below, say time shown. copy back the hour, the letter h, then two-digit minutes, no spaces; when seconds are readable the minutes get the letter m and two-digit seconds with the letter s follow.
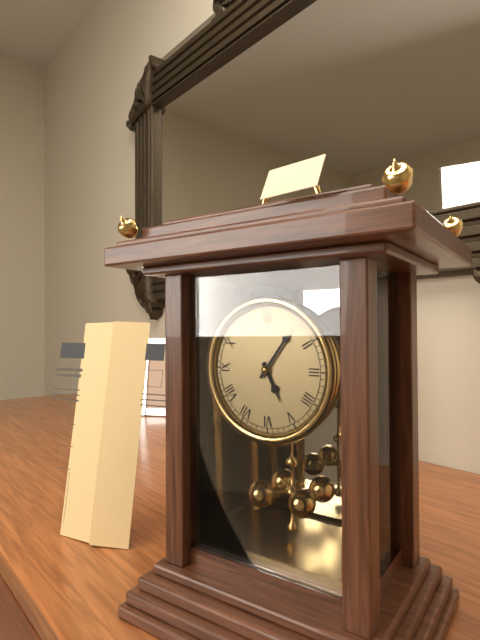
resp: 5h06
